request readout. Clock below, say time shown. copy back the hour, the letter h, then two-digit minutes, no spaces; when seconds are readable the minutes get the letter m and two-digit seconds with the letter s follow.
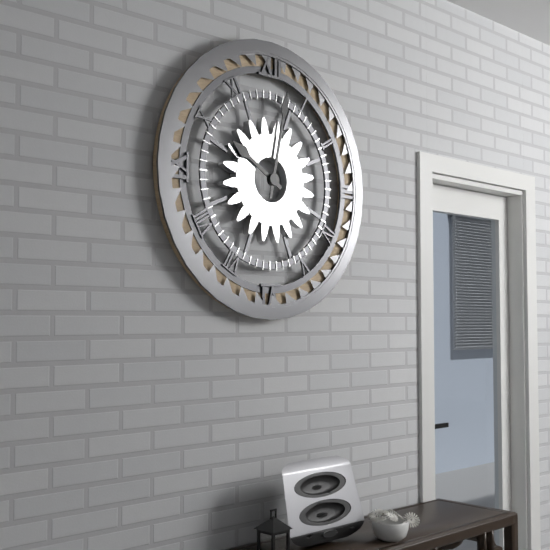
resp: 10h02
